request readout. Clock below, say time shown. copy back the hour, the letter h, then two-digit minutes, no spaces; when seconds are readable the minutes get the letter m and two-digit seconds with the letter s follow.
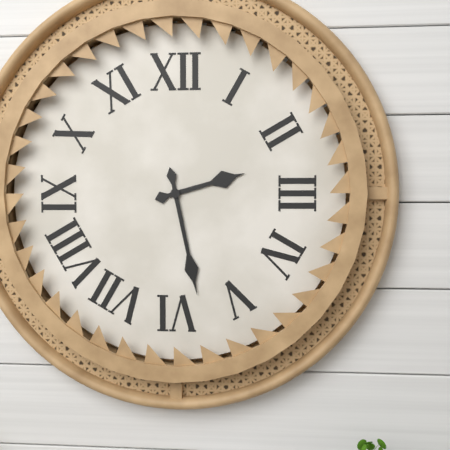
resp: 2h28
